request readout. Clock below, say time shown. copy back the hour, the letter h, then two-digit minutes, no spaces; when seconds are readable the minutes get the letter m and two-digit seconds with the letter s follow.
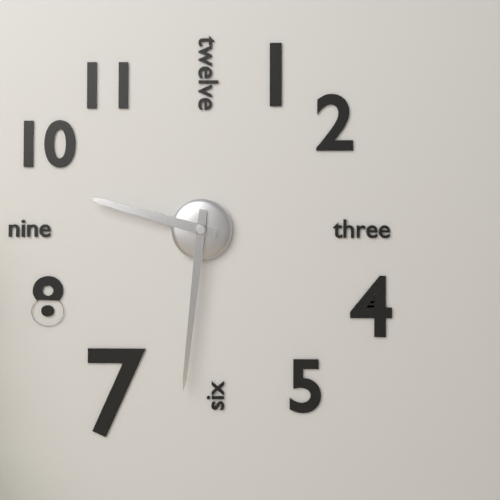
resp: 9h31
